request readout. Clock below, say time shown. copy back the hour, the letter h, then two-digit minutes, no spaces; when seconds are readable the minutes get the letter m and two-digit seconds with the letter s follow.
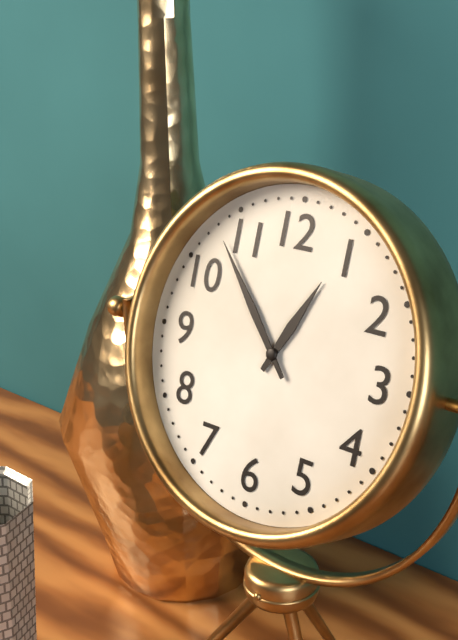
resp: 12h53
